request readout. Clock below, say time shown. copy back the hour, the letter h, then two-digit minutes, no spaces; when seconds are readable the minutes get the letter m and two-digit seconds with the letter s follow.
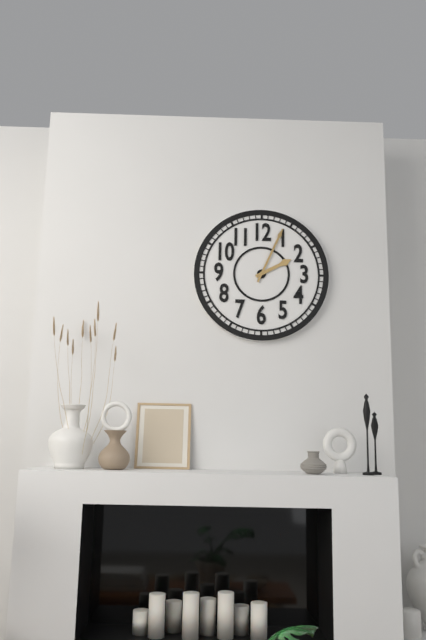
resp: 2h04
